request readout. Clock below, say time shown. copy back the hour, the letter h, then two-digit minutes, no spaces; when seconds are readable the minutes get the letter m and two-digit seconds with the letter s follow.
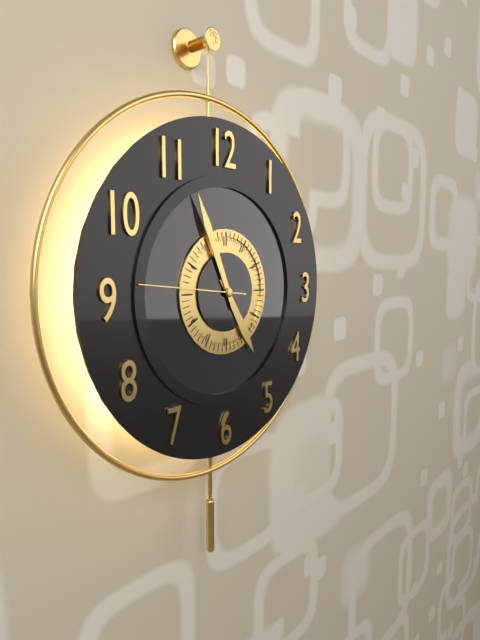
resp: 4h56m46s
